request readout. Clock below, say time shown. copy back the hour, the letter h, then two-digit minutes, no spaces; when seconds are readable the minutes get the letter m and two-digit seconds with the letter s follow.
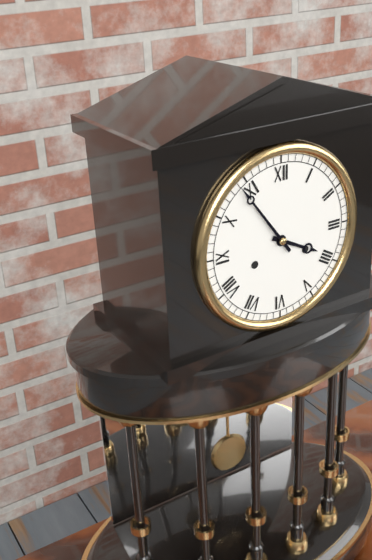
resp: 3h54
